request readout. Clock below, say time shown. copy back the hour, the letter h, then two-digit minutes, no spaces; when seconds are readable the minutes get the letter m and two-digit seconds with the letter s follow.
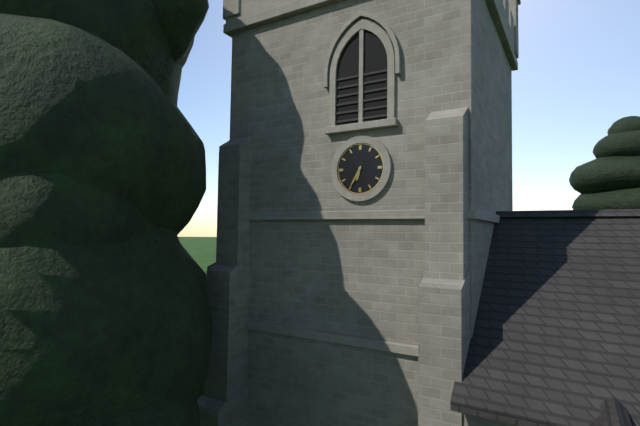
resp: 6h35
